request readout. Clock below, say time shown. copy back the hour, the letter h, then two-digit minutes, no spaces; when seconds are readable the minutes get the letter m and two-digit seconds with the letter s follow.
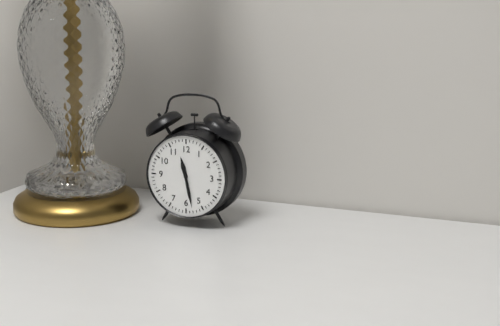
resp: 11h28
